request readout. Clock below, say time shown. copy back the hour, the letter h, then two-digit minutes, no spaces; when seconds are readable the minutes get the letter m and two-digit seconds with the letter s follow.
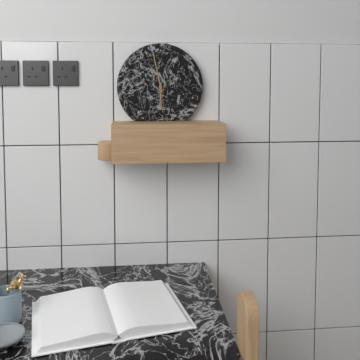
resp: 5h58
